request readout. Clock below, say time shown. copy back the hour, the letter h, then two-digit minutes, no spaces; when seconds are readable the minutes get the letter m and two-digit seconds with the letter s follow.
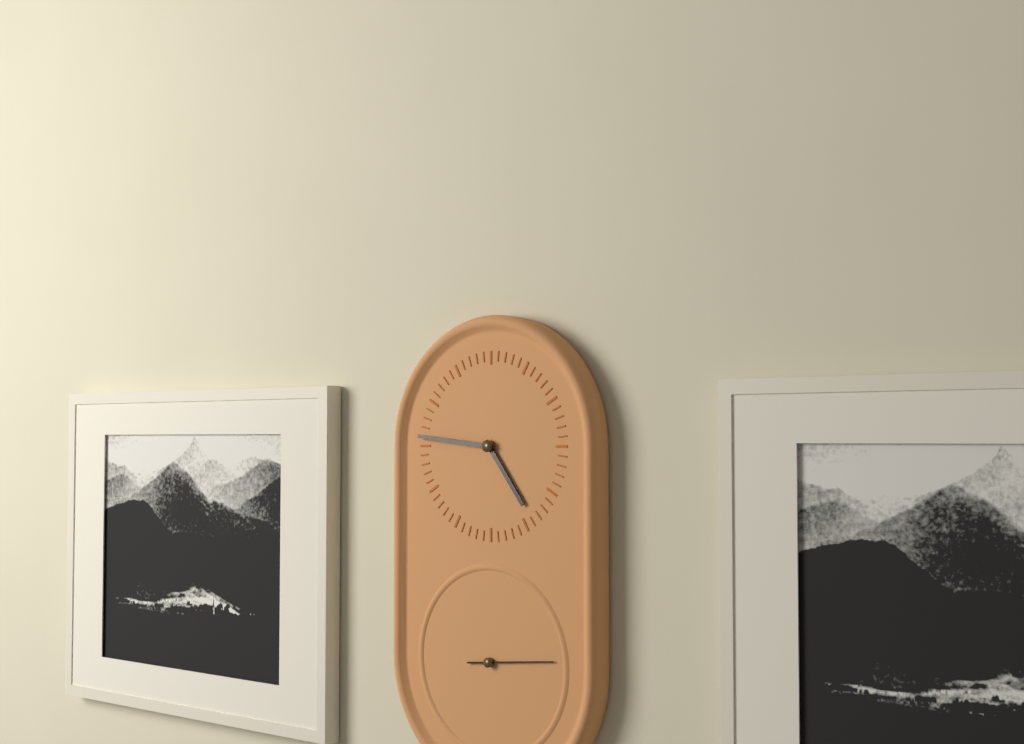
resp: 4h46m14s
